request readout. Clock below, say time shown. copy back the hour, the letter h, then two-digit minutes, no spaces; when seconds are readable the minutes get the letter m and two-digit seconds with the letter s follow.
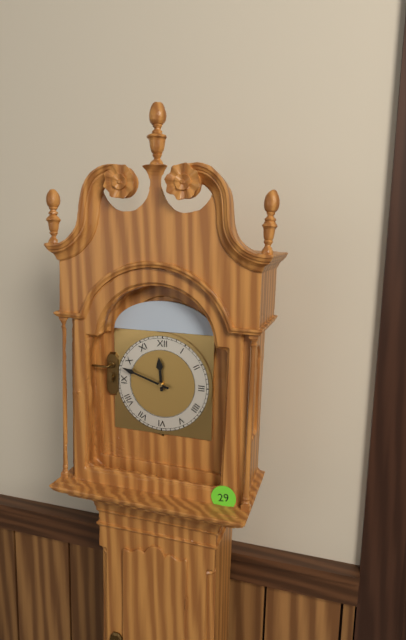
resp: 11h48
